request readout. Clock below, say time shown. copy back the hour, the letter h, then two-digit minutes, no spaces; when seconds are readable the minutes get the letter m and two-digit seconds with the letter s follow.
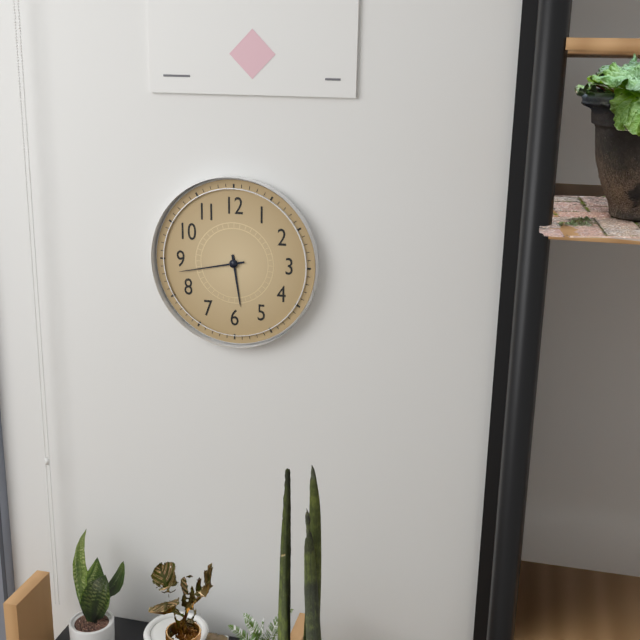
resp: 5h43
